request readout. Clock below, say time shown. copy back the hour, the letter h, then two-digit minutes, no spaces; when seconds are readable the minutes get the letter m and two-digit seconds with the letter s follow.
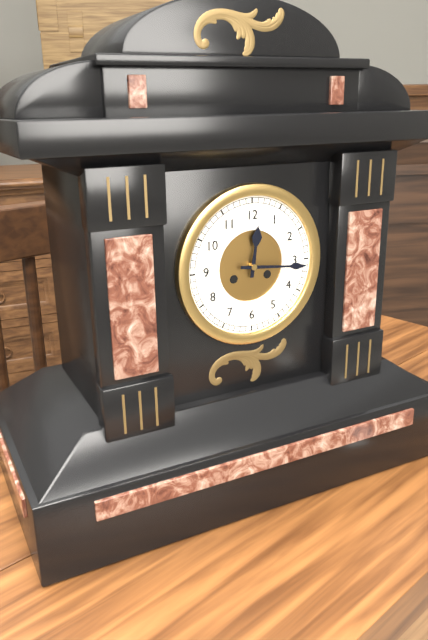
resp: 12h16
